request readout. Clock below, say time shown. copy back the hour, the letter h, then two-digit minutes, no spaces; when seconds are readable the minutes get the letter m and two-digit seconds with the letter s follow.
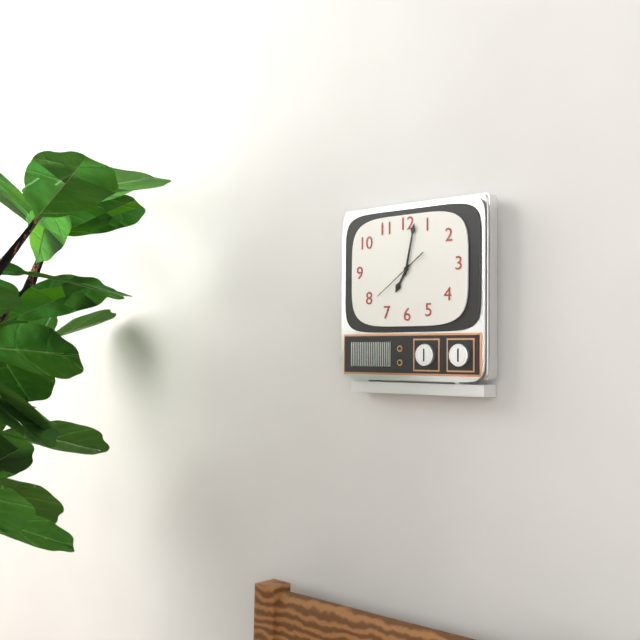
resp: 7h02
